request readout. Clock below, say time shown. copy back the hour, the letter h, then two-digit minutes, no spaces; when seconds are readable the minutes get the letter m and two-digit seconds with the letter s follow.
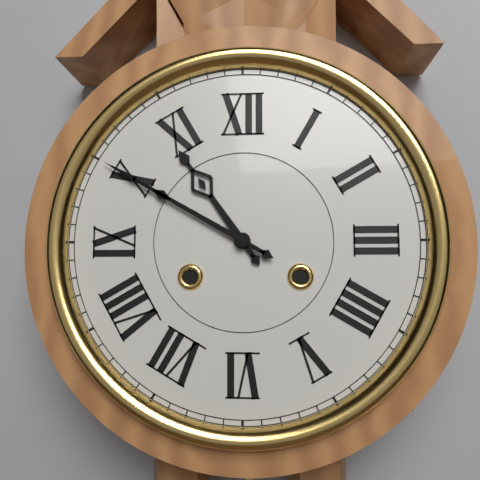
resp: 10h50
